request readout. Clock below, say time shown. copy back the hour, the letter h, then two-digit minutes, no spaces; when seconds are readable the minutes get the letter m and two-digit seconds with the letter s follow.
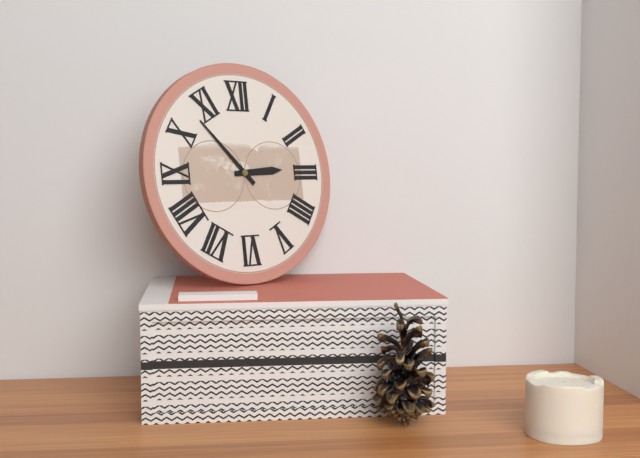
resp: 2h53
